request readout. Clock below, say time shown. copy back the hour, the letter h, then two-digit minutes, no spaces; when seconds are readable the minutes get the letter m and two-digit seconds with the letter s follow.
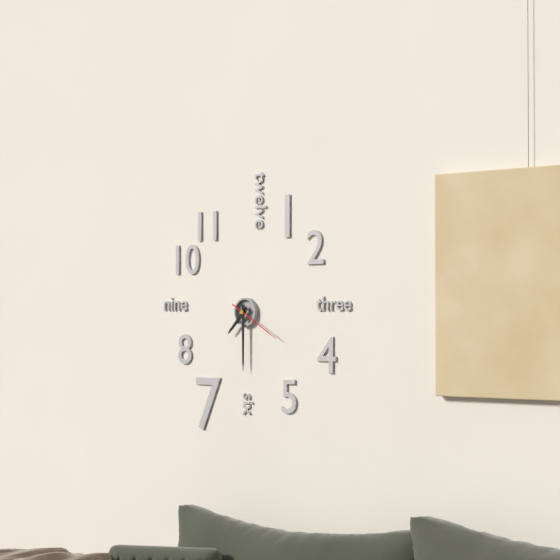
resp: 7h30m20s
